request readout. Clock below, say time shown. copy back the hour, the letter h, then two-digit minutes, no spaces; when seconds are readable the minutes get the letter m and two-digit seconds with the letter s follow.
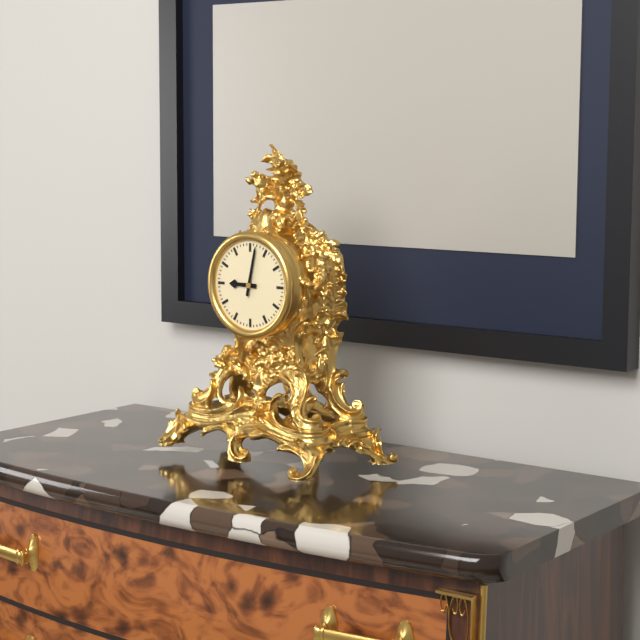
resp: 9h02
